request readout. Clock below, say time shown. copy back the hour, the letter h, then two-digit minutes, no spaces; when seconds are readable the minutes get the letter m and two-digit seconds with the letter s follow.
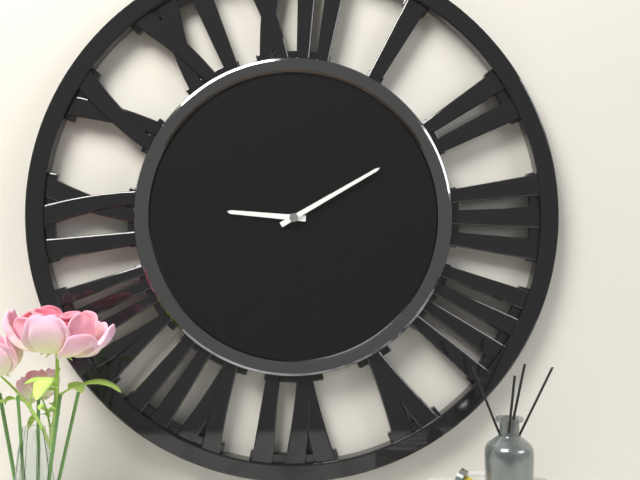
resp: 9h10
